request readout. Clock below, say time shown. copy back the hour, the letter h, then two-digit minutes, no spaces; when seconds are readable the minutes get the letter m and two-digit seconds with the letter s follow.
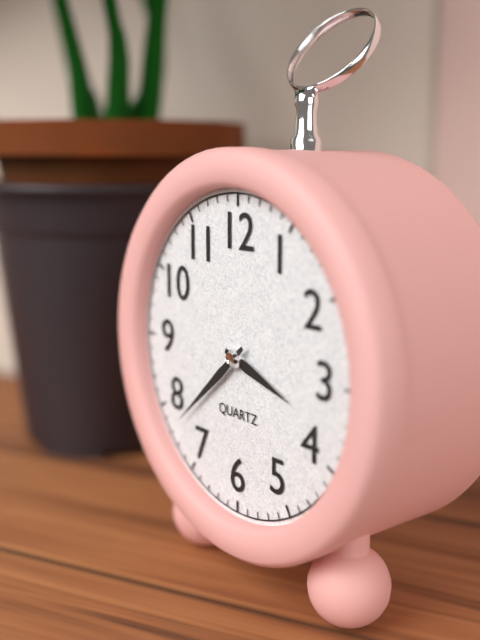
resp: 3h38
